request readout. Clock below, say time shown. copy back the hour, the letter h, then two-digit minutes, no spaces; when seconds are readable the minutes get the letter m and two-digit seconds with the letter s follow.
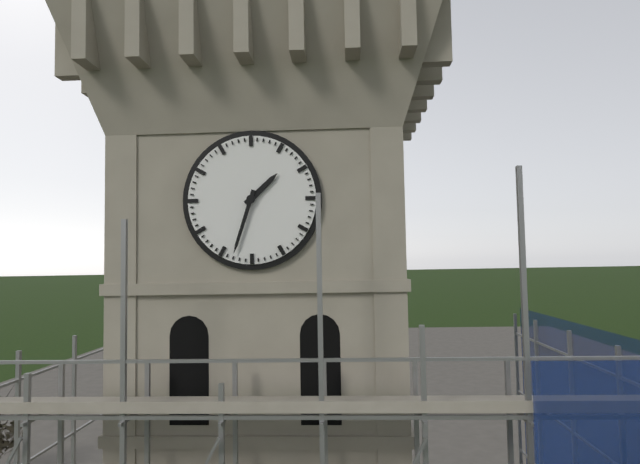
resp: 1h33
